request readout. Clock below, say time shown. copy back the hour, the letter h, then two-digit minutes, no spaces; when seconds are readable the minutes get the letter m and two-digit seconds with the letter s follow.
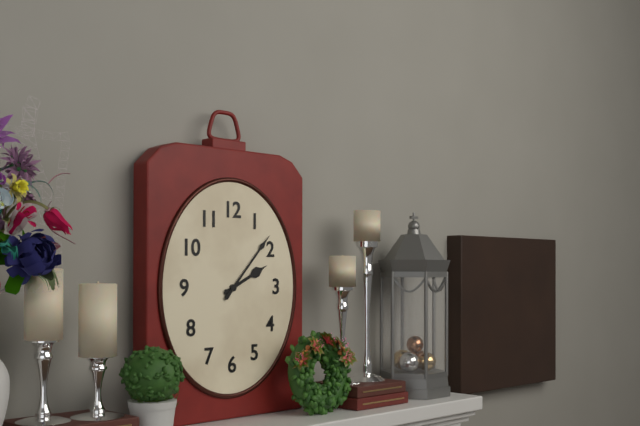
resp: 2h07
